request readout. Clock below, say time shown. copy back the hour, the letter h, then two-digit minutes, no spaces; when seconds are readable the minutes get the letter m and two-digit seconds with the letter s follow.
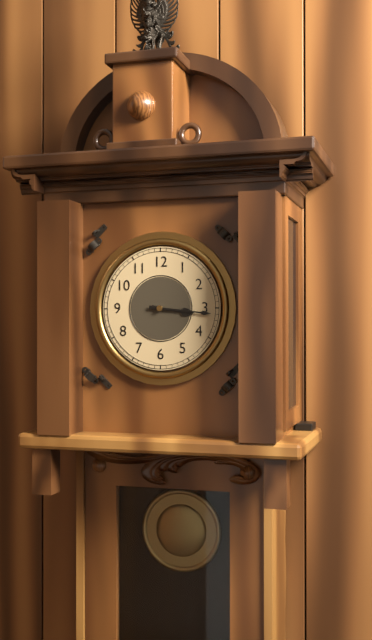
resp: 3h16
